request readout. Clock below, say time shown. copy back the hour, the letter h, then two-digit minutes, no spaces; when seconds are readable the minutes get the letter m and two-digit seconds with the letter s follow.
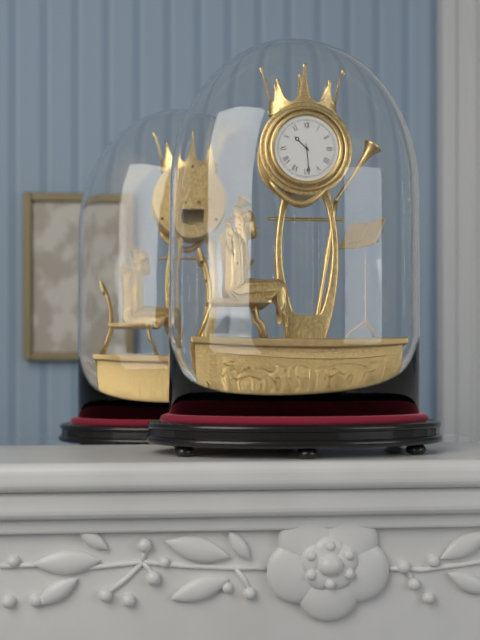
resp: 10h29
